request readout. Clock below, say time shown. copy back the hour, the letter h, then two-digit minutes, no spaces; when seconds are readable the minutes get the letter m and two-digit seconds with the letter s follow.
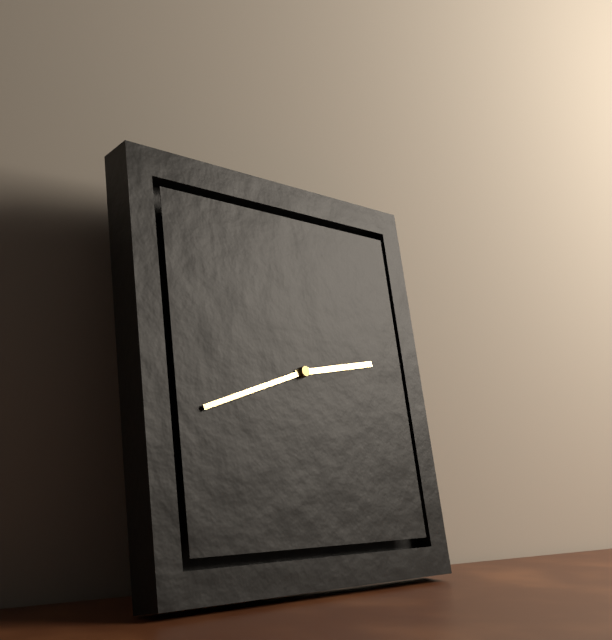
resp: 2h42
